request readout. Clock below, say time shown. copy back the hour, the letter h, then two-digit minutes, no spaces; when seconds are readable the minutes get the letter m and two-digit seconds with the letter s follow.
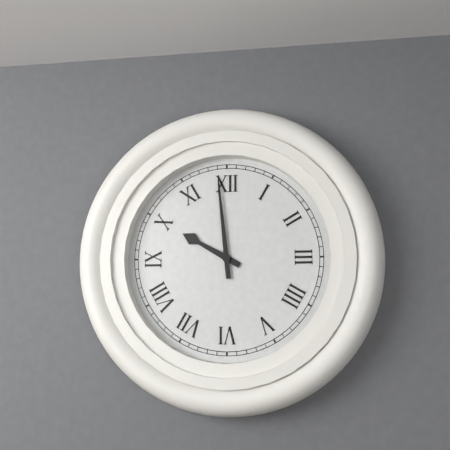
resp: 9h59
